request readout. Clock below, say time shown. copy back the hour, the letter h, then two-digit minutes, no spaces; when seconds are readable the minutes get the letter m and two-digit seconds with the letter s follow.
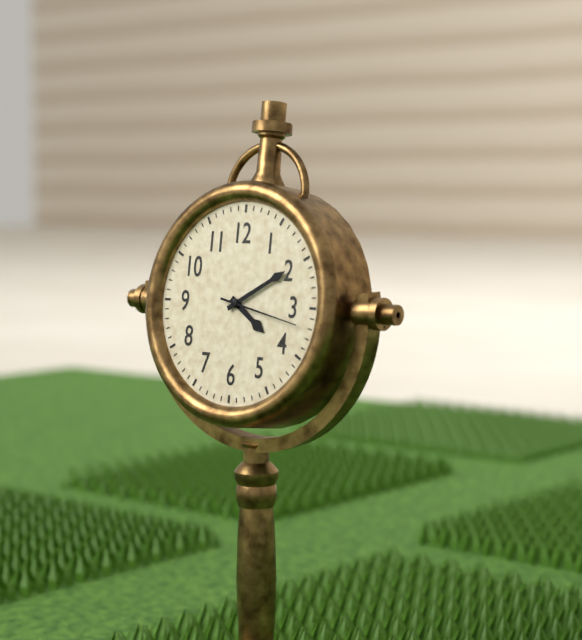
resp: 4h10m17s
